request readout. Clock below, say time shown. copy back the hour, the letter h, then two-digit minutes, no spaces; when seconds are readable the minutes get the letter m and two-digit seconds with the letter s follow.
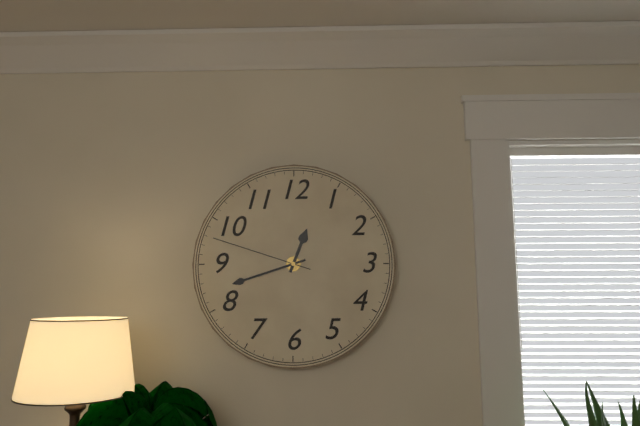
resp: 12h42m48s
